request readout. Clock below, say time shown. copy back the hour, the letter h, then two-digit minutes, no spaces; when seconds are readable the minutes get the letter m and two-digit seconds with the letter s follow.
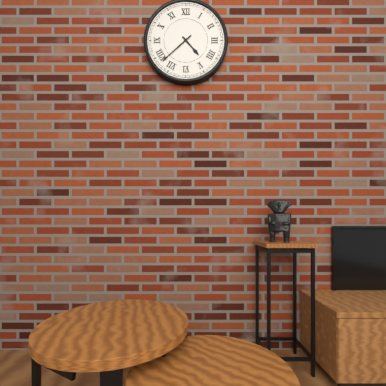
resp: 4h38
